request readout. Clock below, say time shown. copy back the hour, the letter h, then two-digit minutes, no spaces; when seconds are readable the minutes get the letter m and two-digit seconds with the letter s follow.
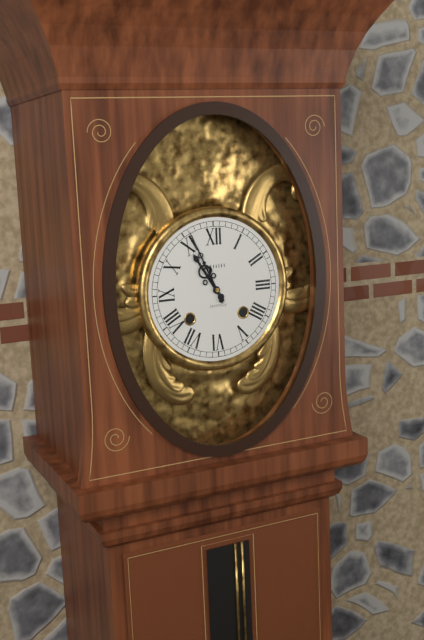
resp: 10h56
